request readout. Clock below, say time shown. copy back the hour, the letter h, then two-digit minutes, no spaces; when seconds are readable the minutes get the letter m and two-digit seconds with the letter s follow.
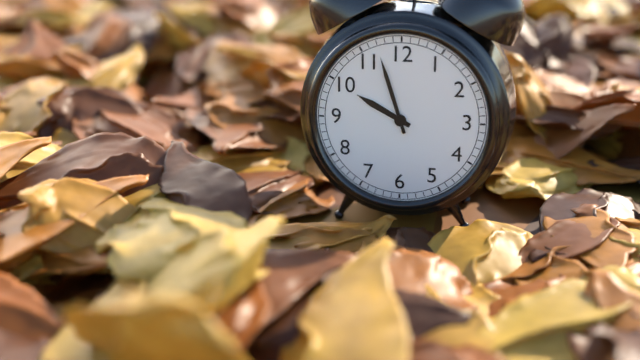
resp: 9h57
